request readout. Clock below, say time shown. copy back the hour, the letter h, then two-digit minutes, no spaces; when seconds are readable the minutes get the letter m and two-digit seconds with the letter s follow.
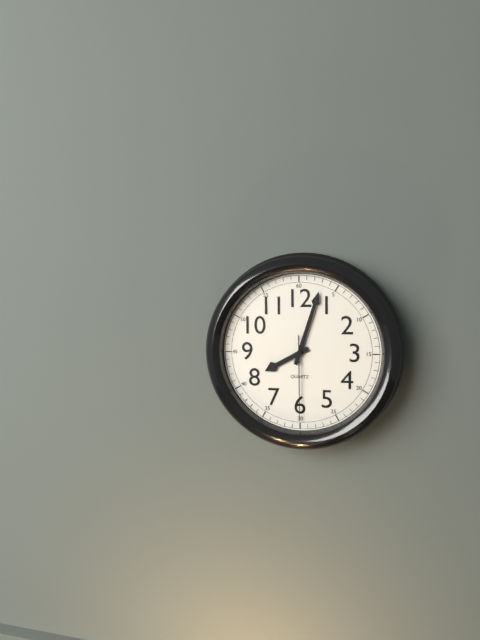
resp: 8h03m30s
